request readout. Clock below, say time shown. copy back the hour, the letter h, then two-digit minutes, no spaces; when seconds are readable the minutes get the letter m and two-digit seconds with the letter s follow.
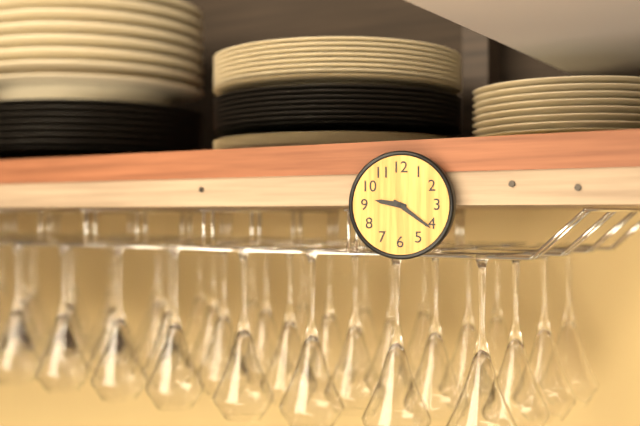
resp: 9h21
